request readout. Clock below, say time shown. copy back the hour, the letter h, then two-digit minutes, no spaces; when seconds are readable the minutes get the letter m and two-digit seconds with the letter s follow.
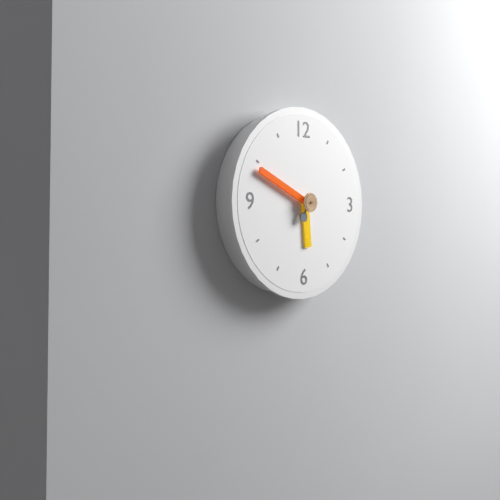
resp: 5h49
